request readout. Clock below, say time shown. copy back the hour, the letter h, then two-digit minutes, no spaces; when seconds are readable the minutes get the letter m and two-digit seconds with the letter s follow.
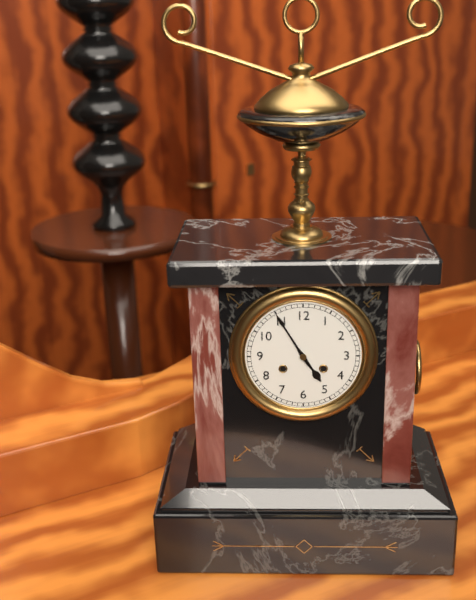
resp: 4h55
